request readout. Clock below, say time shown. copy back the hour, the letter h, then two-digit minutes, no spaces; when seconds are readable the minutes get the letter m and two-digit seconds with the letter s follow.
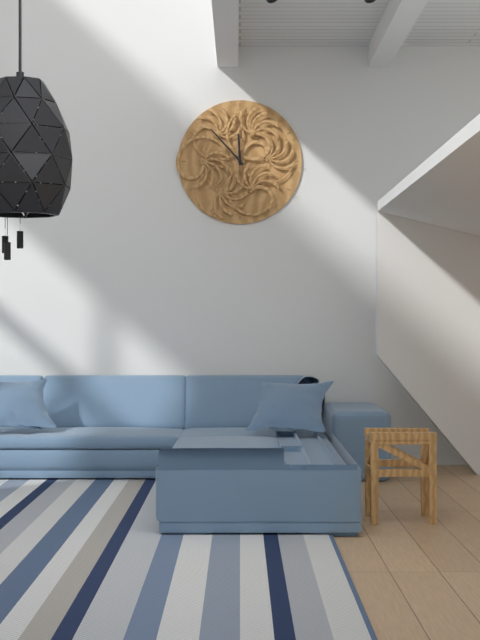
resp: 11h53m00s
